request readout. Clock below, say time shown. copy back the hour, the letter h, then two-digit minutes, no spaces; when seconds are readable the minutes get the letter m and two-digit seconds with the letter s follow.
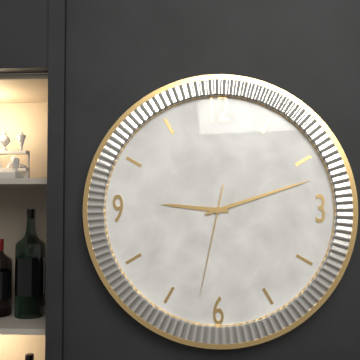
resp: 9h12m32s
